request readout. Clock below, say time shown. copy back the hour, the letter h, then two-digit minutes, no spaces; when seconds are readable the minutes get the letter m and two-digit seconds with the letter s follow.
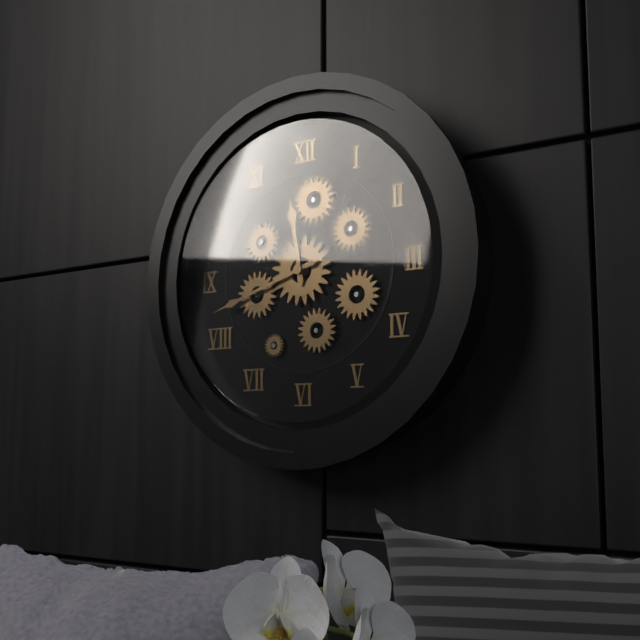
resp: 11h42
